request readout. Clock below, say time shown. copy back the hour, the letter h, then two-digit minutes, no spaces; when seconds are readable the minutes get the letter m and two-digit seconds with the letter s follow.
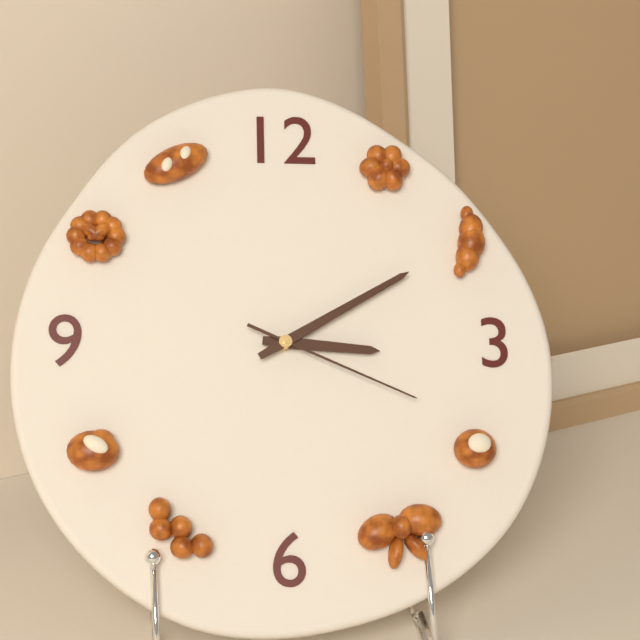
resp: 3h10m19s
